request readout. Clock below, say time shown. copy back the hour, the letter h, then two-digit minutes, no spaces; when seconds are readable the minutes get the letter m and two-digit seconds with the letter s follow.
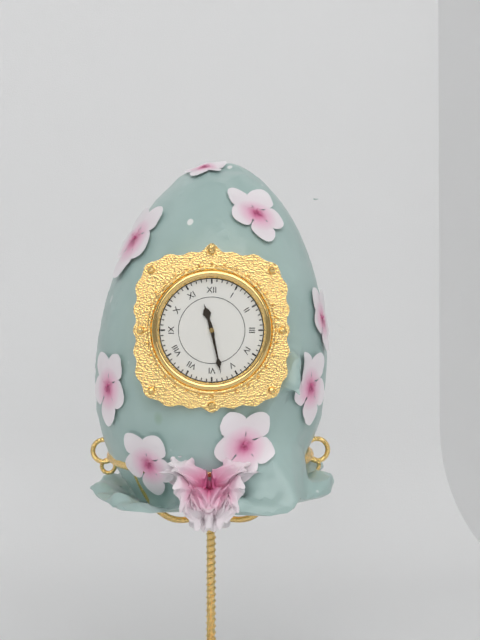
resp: 11h28
